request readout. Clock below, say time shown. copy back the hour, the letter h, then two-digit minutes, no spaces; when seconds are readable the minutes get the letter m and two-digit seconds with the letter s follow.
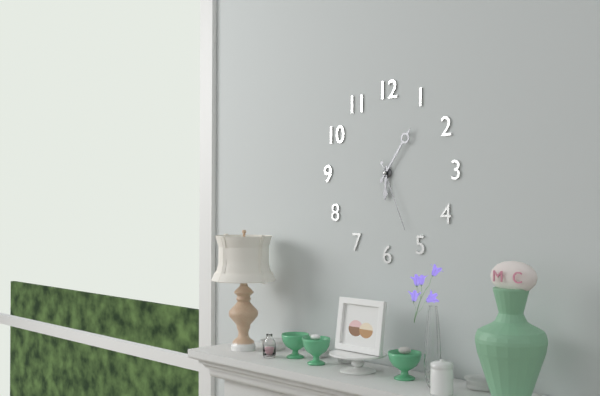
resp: 6h06m26s
